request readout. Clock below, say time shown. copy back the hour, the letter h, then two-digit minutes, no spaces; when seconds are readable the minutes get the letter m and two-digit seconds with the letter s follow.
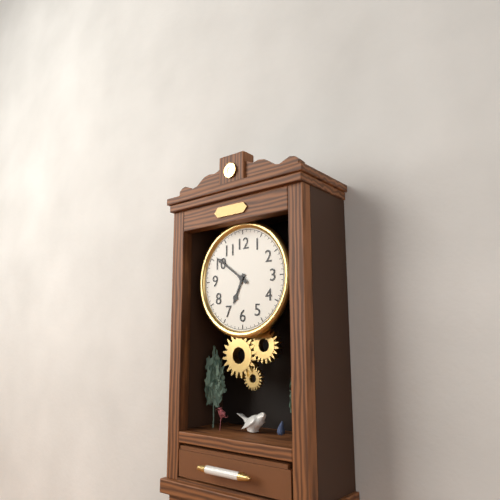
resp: 6h51
